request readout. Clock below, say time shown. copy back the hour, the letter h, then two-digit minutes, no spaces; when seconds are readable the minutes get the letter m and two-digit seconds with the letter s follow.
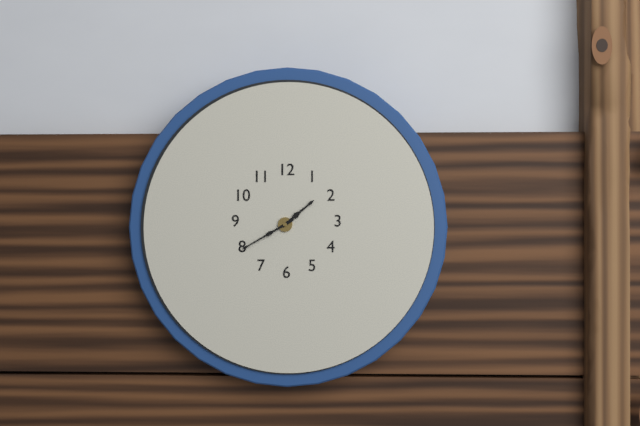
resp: 1h40
